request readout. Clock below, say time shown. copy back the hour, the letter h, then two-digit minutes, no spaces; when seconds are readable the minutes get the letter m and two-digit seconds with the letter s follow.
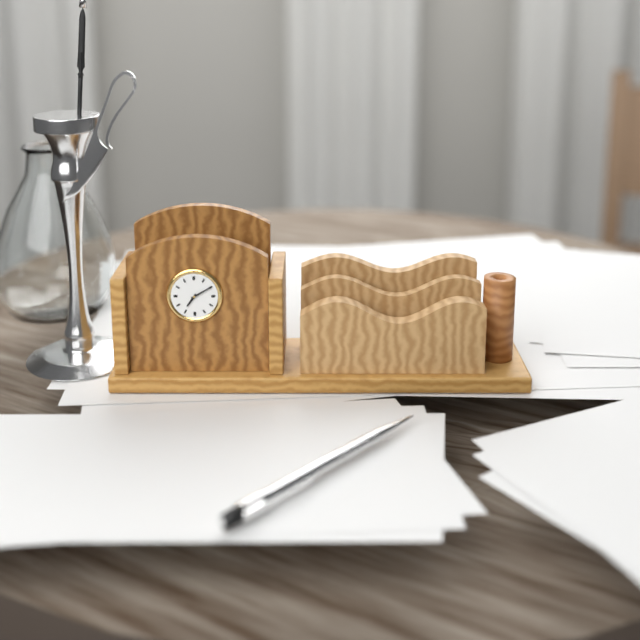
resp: 7h10
